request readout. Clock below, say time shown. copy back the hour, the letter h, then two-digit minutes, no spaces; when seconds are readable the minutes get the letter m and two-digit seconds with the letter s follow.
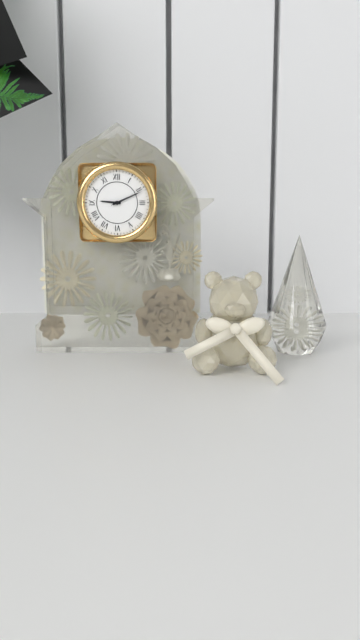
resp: 9h11
